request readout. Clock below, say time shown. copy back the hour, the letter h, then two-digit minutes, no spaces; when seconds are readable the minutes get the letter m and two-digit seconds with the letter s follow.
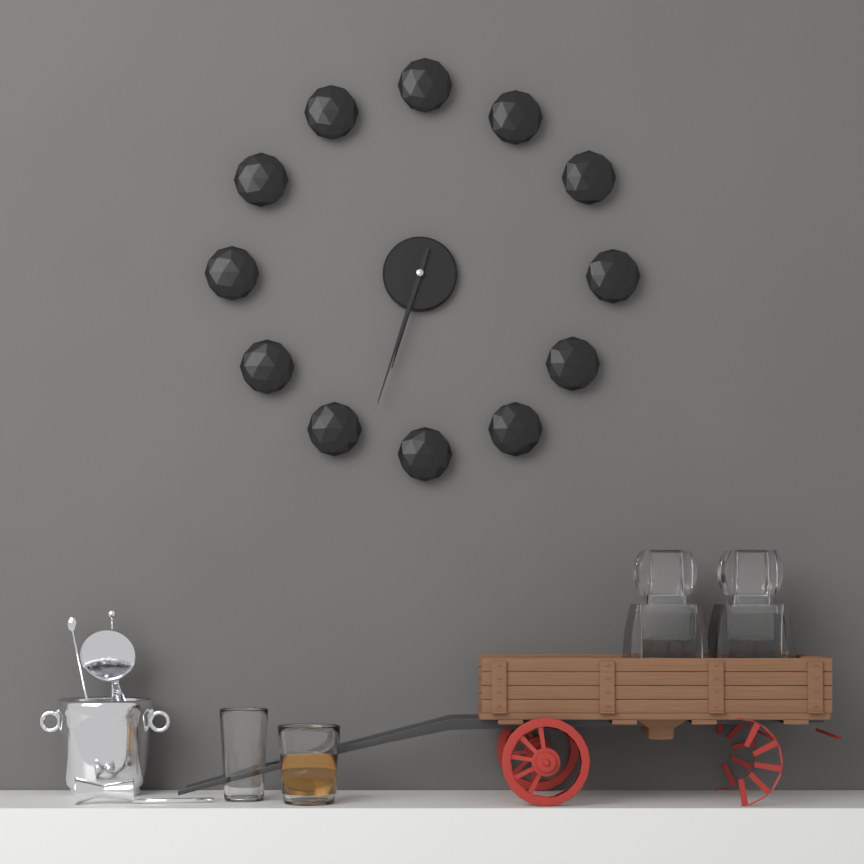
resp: 6h33
